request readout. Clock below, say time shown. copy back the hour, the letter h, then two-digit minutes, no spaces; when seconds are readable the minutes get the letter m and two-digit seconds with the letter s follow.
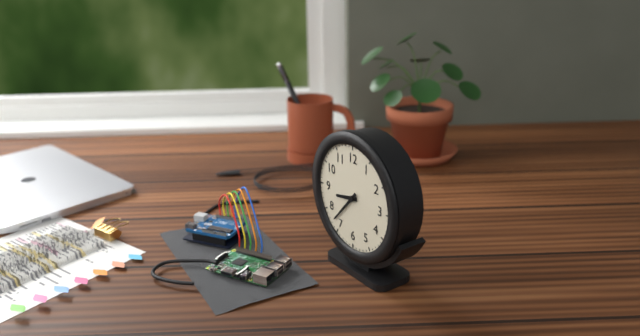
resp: 8h37
